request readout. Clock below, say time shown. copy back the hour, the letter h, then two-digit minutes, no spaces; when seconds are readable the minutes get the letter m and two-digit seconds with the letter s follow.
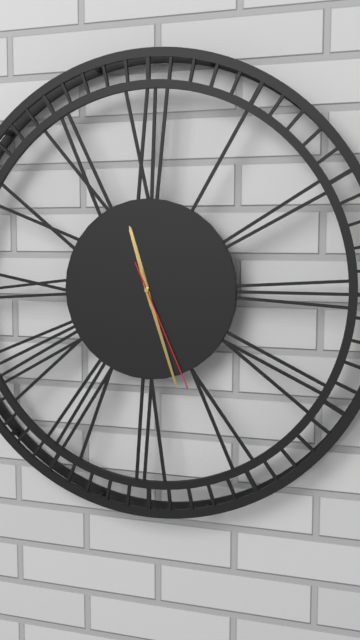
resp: 11h27m26s
